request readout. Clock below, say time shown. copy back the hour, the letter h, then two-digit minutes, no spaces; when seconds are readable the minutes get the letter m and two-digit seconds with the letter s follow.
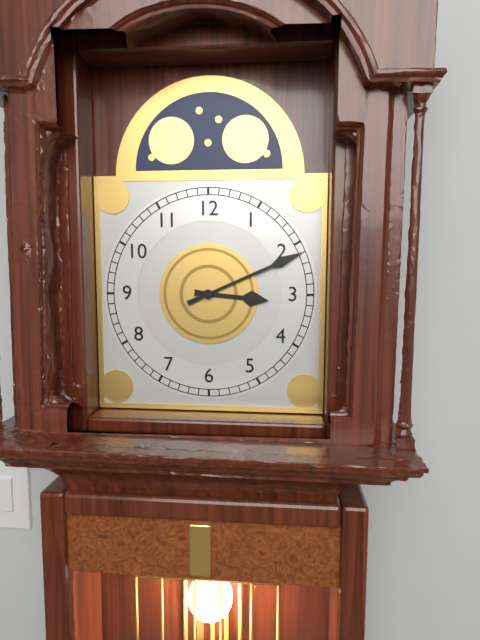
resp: 3h11
